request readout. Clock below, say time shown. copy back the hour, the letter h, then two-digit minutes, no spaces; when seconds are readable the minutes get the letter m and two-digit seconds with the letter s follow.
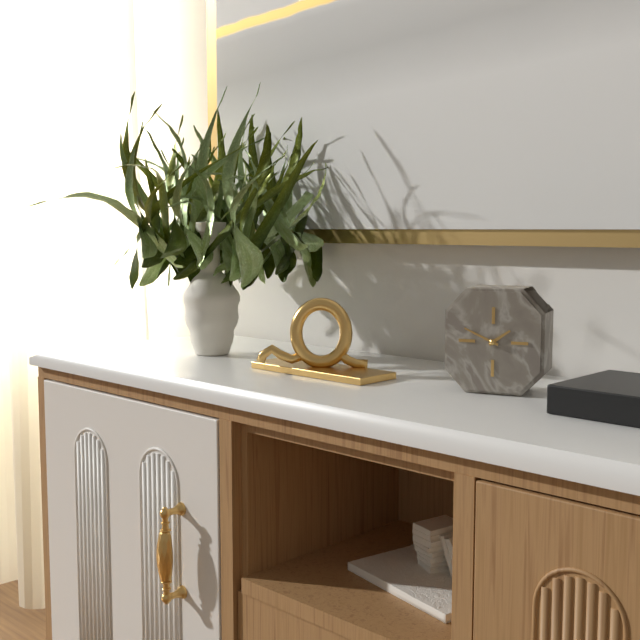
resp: 1h49
